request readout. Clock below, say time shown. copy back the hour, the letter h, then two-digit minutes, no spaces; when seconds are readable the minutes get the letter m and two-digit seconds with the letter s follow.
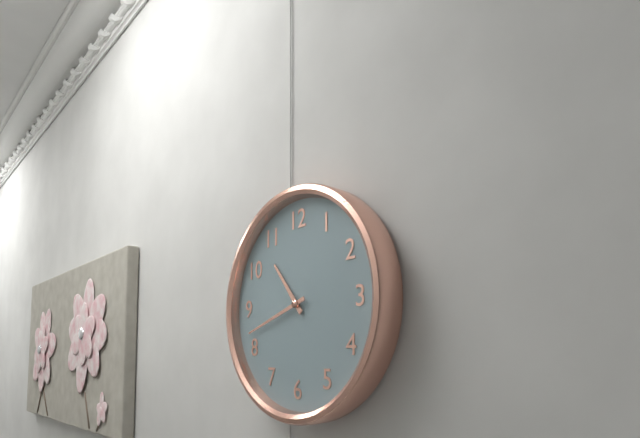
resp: 10h42
